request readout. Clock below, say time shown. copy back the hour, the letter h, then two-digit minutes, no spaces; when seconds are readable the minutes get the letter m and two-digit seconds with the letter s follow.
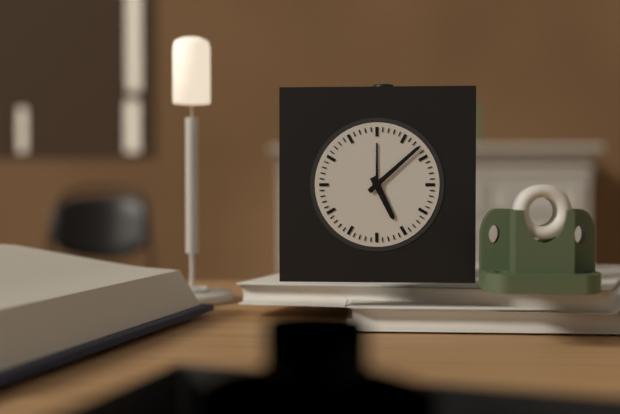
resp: 5h08
